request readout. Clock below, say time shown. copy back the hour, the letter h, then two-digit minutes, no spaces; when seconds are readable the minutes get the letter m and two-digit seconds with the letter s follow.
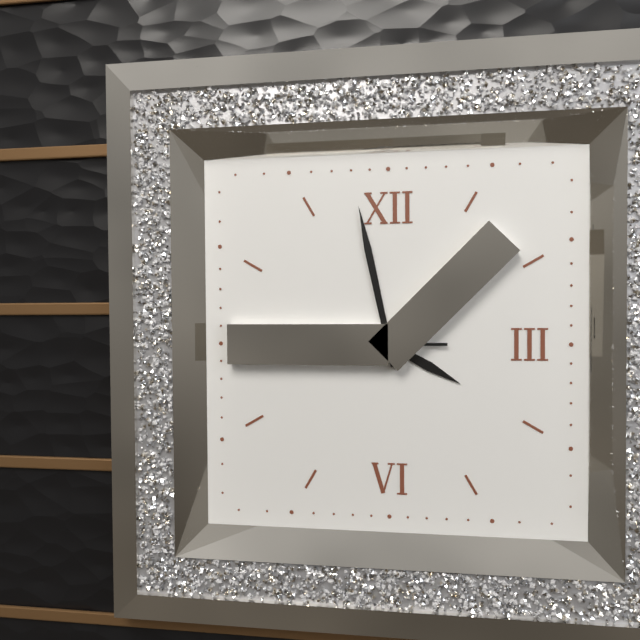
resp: 3h58
